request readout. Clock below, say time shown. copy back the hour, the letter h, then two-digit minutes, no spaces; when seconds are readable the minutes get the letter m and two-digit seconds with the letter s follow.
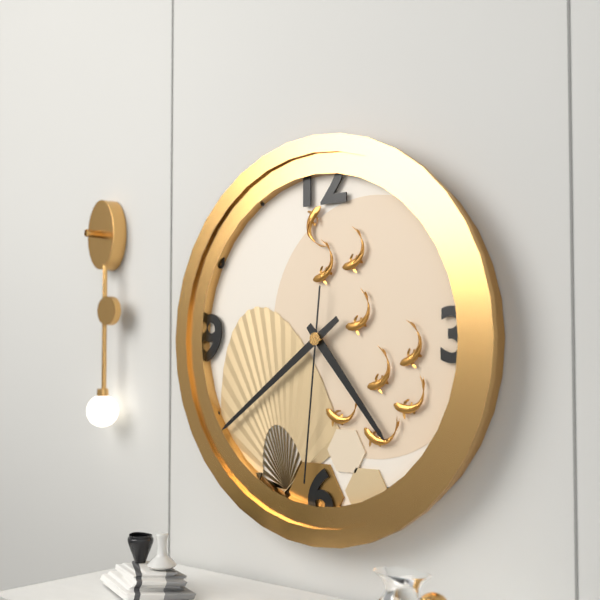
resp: 4h39m31s
